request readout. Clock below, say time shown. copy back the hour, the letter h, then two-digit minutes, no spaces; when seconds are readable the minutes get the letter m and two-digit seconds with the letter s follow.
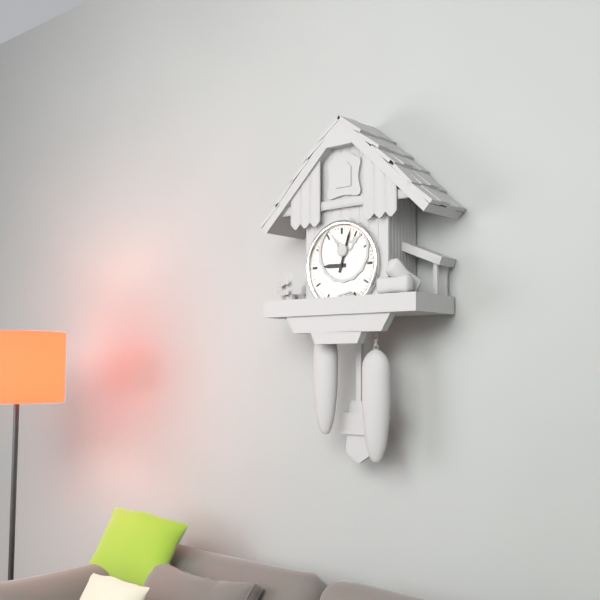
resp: 9h03
